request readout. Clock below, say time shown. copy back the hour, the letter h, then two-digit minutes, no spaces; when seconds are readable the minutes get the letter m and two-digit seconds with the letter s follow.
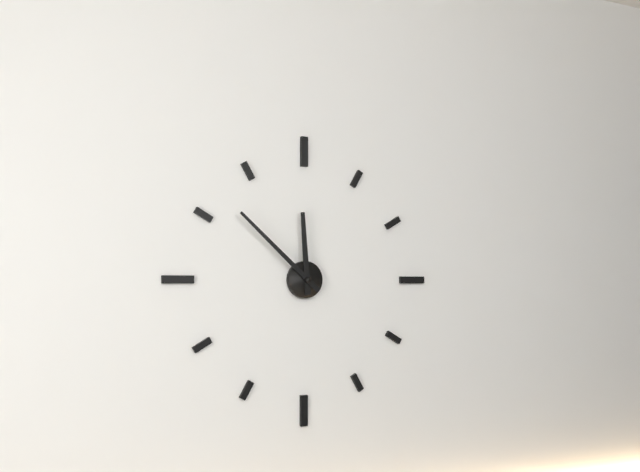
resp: 11h52
